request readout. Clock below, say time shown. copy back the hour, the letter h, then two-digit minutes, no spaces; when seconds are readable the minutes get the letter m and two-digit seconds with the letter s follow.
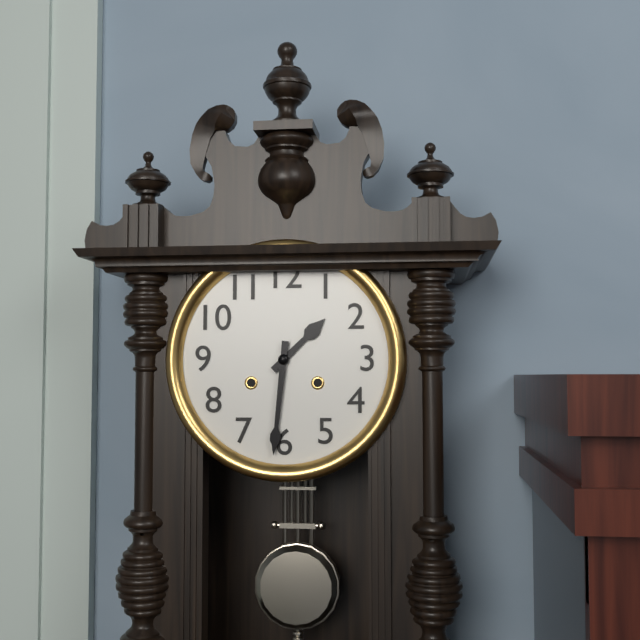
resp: 1h31
